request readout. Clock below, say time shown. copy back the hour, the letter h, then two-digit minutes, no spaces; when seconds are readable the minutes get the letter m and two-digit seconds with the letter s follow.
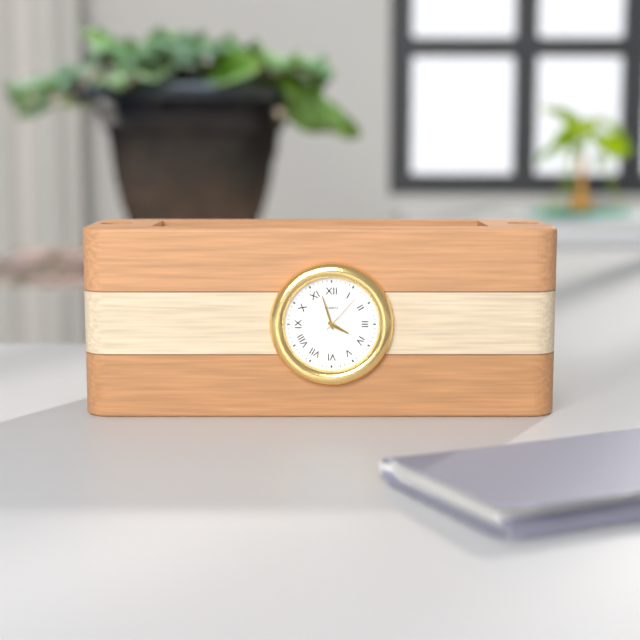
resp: 3h57
